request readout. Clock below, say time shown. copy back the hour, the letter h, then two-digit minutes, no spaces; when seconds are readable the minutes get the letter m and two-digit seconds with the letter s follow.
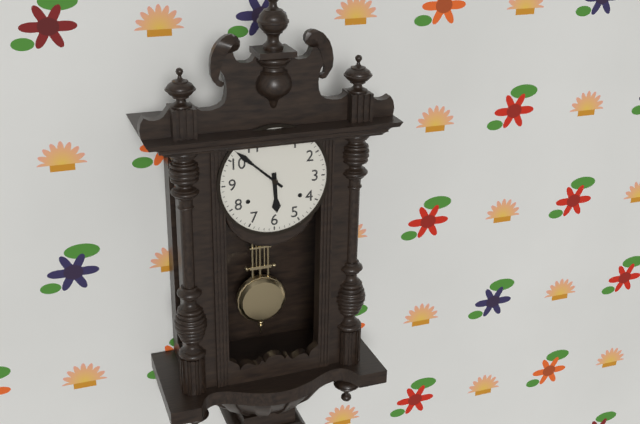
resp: 5h52
